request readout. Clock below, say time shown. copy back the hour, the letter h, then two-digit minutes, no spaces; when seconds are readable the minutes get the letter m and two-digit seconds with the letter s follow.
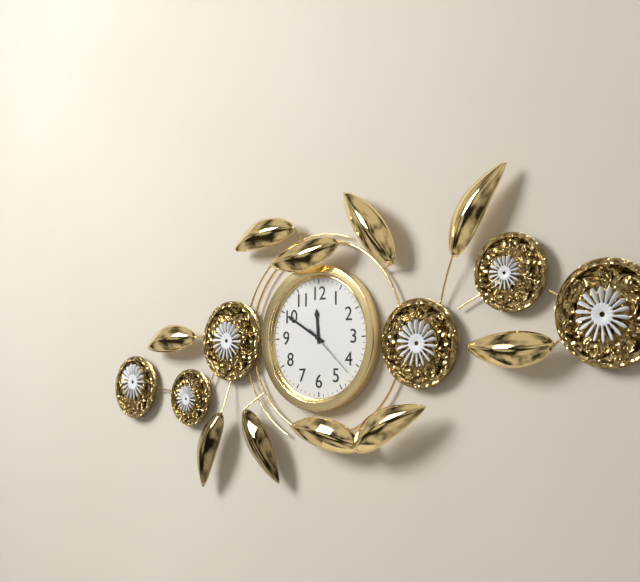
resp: 11h50m22s
